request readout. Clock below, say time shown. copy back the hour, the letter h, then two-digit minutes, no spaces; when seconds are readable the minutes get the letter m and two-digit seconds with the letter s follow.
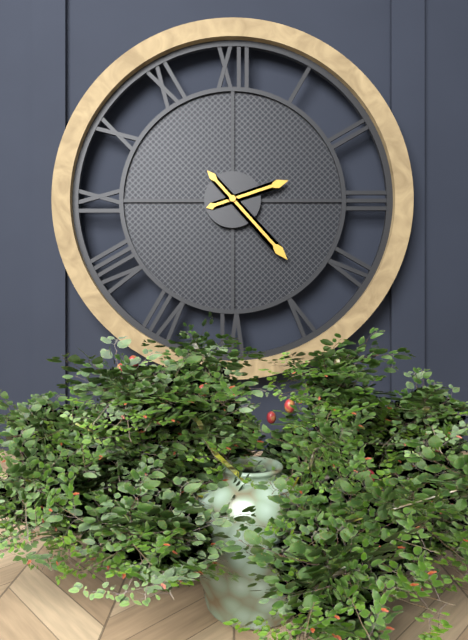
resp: 2h23
